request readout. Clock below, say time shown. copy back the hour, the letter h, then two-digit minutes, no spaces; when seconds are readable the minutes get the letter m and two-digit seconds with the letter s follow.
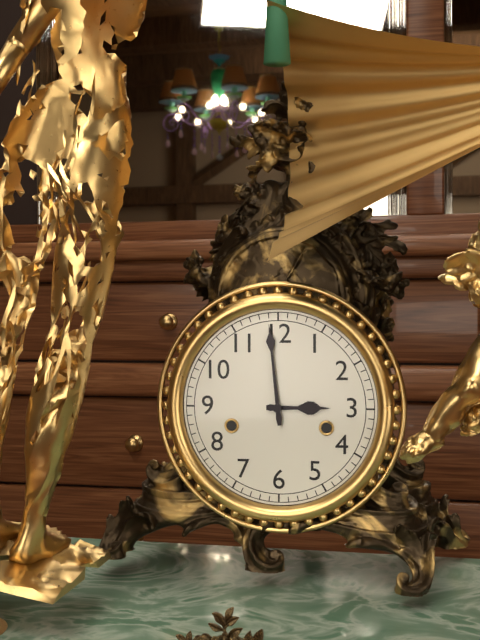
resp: 2h59
